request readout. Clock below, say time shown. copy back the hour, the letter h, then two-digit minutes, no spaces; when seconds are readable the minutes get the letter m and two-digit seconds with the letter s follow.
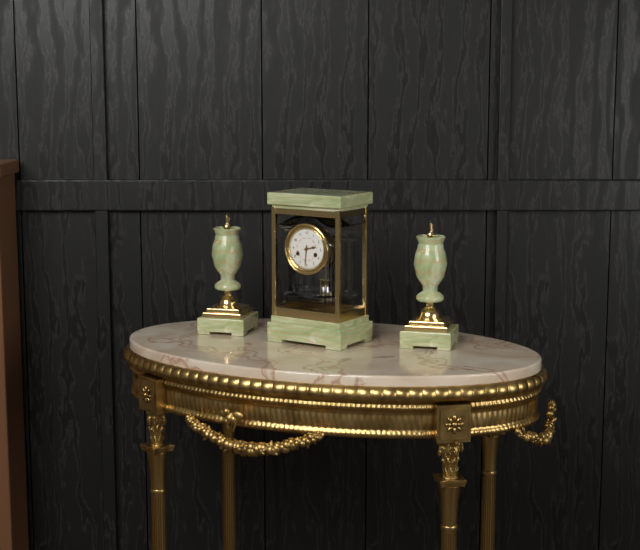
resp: 2h31
